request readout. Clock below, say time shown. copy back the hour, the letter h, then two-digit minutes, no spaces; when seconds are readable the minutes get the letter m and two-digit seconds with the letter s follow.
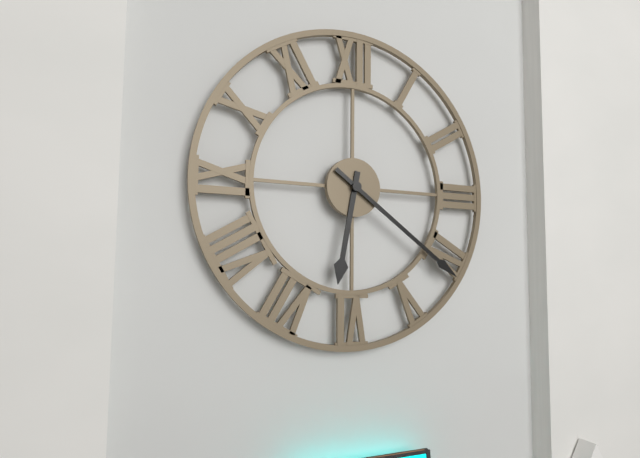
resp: 6h21
